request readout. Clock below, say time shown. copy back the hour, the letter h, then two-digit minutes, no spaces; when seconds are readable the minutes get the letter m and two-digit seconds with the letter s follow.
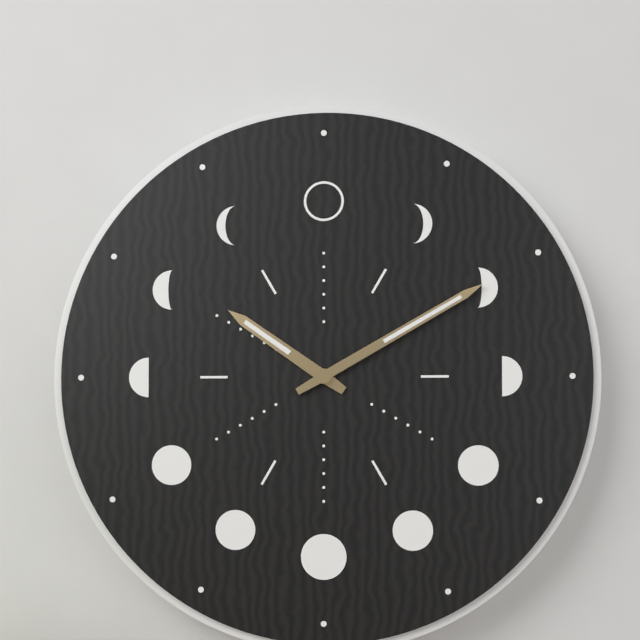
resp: 10h10
